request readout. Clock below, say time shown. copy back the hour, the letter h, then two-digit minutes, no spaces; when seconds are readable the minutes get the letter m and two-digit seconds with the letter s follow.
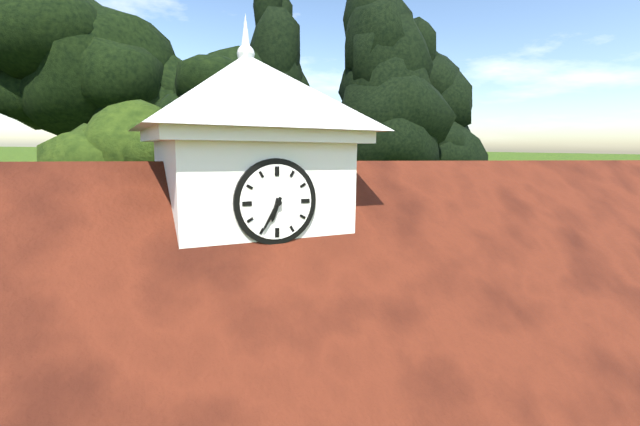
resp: 6h35
